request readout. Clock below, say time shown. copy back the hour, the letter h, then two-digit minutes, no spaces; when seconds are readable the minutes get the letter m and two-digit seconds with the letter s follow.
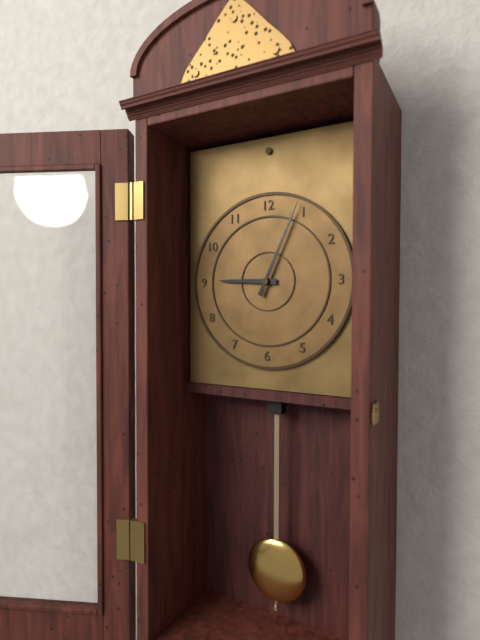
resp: 9h04
